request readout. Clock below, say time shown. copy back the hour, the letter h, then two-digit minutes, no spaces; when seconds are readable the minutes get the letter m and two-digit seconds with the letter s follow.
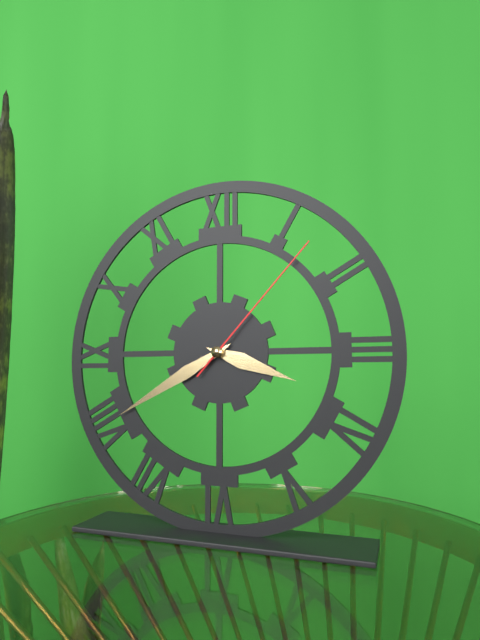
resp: 3h40m07s
